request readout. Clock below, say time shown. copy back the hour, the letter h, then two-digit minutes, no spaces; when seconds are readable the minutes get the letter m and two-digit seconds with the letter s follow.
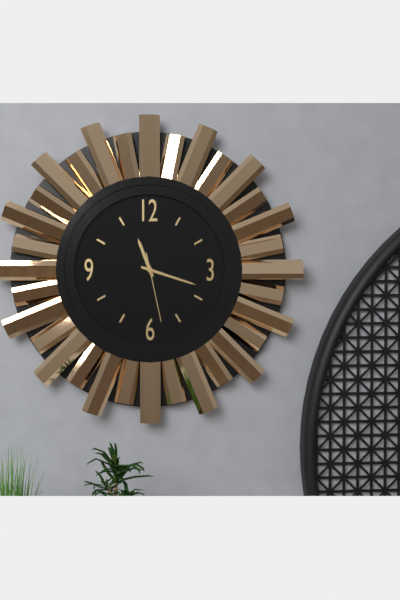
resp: 11h18m28s
